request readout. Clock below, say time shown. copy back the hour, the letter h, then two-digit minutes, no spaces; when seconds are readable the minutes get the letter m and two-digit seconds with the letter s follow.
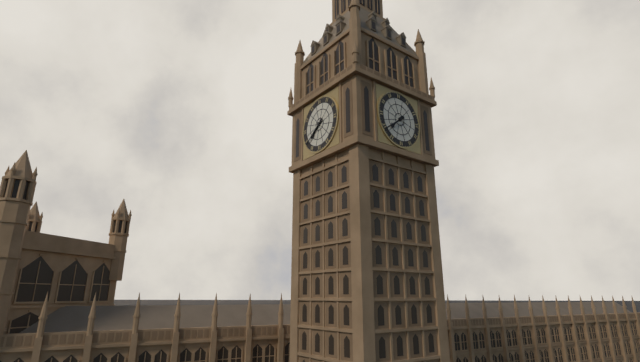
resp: 7h39
